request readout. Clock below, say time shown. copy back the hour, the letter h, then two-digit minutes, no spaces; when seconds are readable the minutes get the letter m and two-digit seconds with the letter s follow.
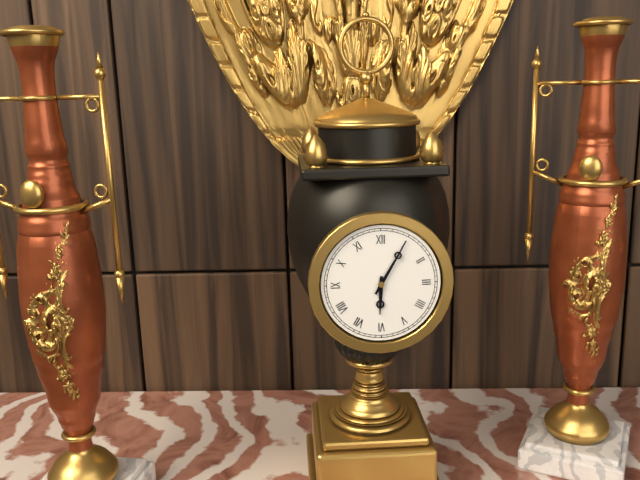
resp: 6h05
